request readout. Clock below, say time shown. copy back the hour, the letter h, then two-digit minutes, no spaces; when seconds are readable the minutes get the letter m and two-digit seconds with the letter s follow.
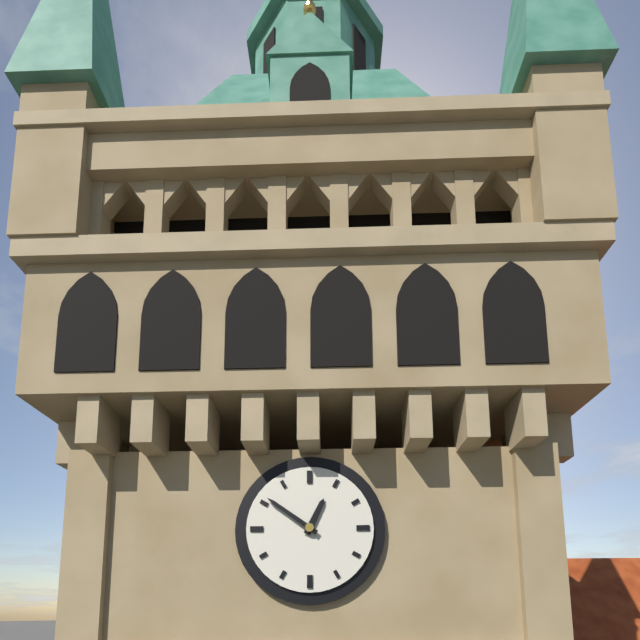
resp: 12h51
